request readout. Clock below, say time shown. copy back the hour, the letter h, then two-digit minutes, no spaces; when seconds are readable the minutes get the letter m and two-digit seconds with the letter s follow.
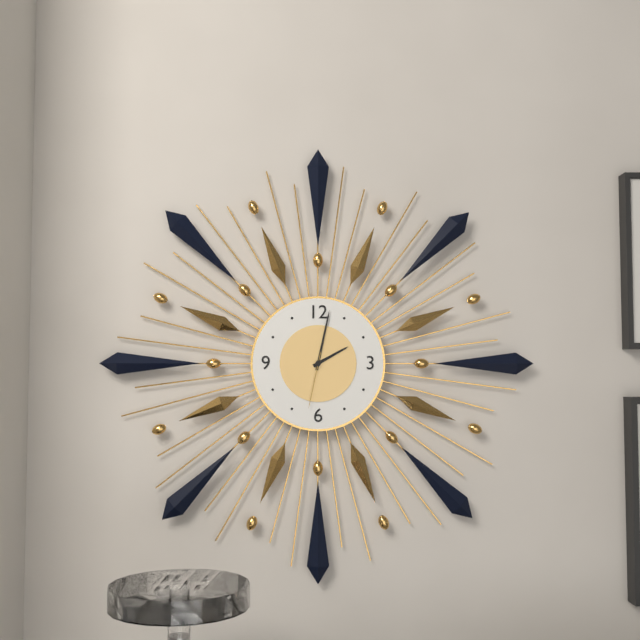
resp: 2h02m32s
